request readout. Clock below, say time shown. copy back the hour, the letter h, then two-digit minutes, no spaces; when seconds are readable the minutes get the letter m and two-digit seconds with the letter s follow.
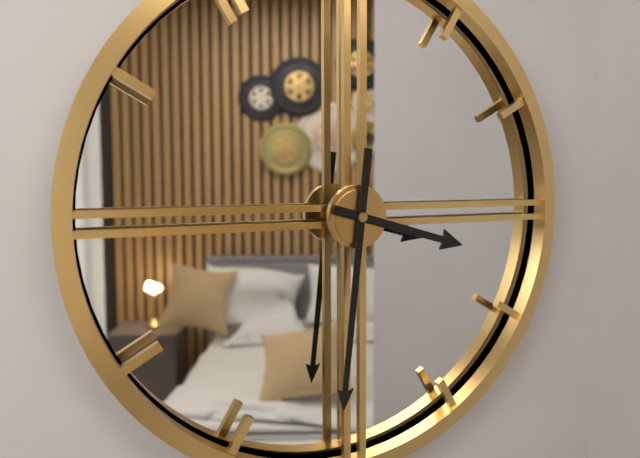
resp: 3h31
